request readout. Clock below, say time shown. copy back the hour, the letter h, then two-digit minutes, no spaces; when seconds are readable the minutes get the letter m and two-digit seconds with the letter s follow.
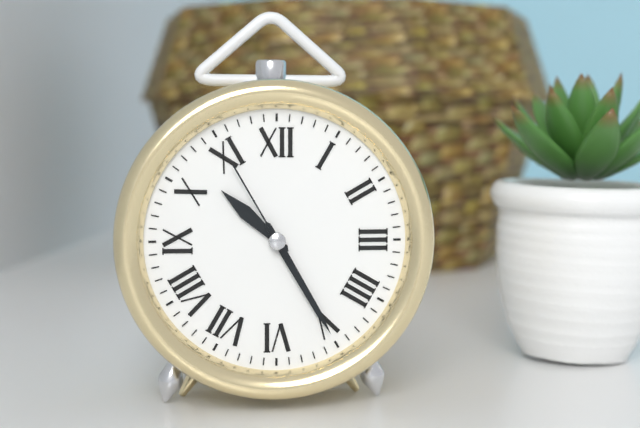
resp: 10h25m55s
